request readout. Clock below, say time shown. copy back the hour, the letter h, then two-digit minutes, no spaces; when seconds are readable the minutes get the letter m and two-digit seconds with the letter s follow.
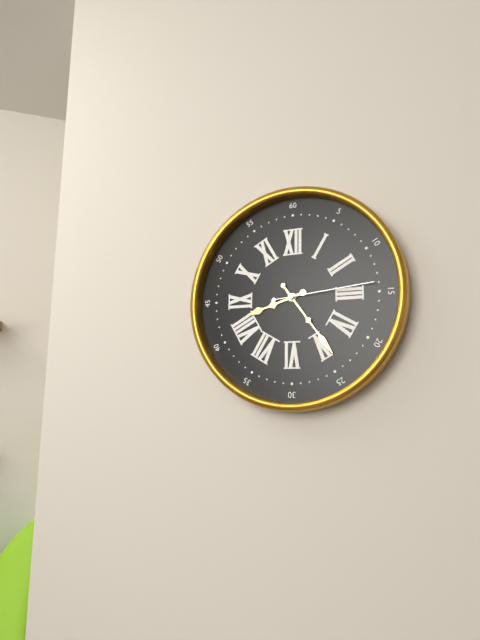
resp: 8h24m14s
